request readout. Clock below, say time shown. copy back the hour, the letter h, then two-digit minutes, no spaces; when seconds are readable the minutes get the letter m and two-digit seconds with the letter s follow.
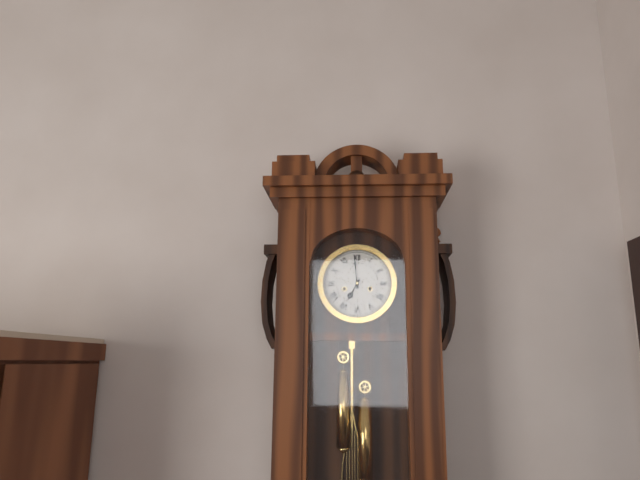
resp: 6h59
